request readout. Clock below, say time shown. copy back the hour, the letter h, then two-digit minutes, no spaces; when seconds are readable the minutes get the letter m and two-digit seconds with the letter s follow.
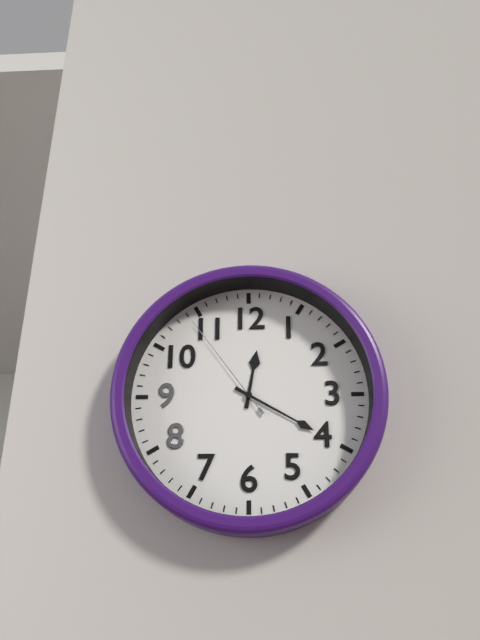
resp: 12h20m54s
